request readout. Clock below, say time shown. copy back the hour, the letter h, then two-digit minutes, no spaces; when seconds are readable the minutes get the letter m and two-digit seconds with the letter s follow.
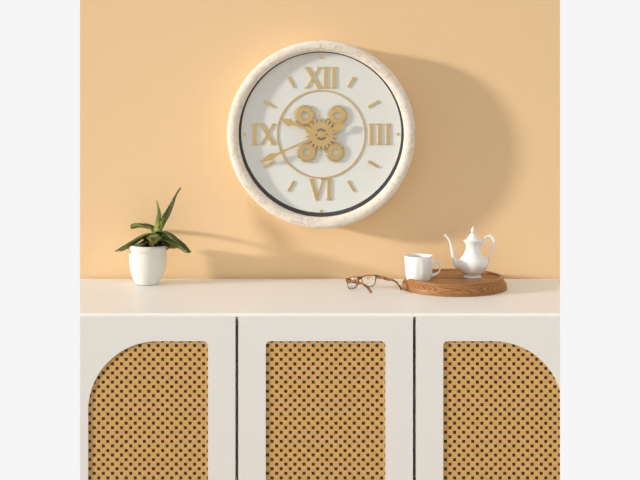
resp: 9h41
